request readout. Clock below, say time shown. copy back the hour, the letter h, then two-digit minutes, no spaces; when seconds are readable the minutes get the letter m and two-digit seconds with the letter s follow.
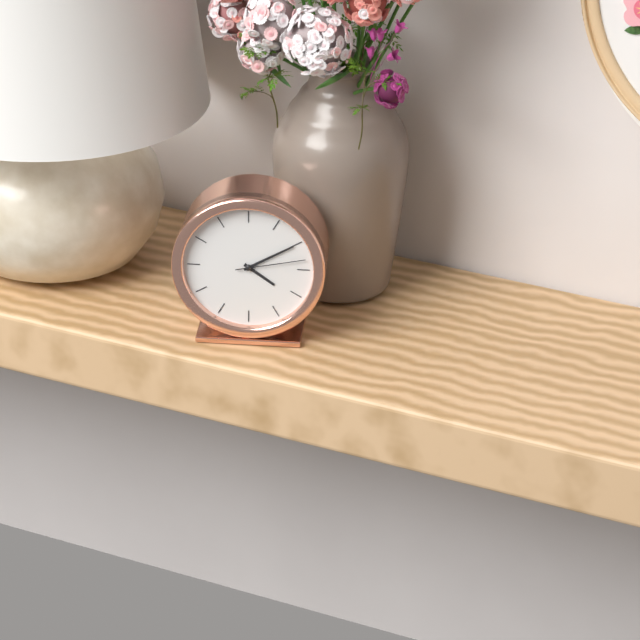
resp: 4h10m13s
